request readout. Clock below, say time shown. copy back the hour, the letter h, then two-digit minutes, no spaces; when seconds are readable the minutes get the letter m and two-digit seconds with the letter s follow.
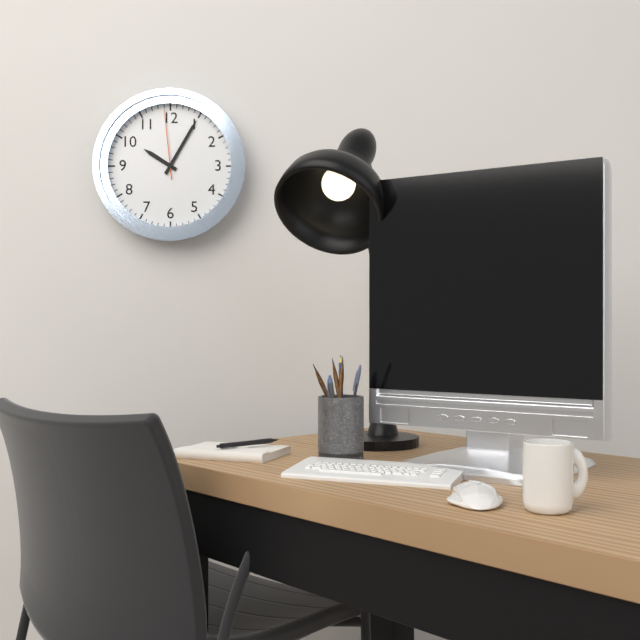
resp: 10h05m59s
